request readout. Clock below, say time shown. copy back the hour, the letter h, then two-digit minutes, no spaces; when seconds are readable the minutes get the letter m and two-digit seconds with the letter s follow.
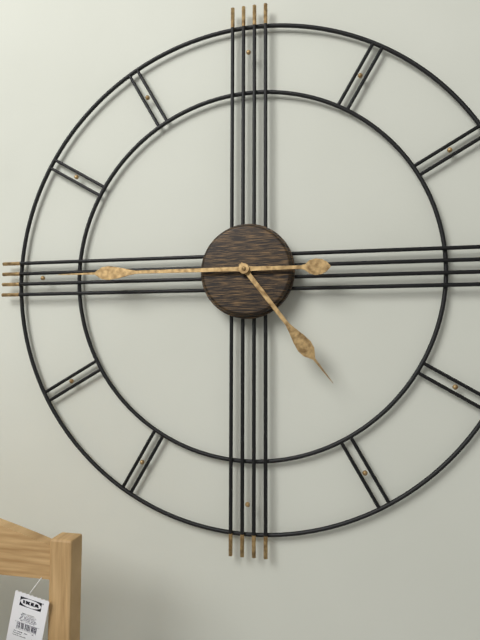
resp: 4h45
